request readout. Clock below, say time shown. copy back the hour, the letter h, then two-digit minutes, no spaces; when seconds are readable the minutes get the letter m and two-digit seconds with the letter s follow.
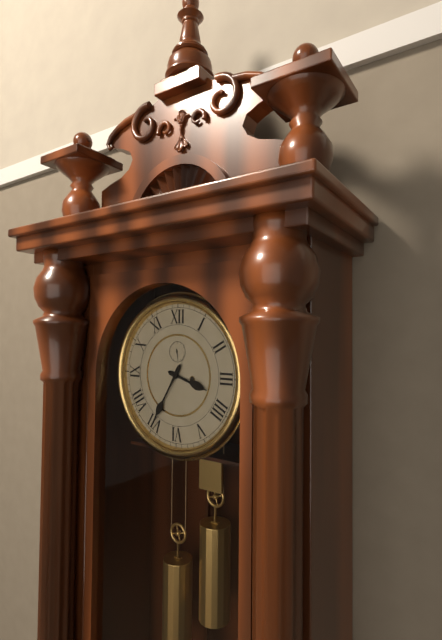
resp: 3h35
